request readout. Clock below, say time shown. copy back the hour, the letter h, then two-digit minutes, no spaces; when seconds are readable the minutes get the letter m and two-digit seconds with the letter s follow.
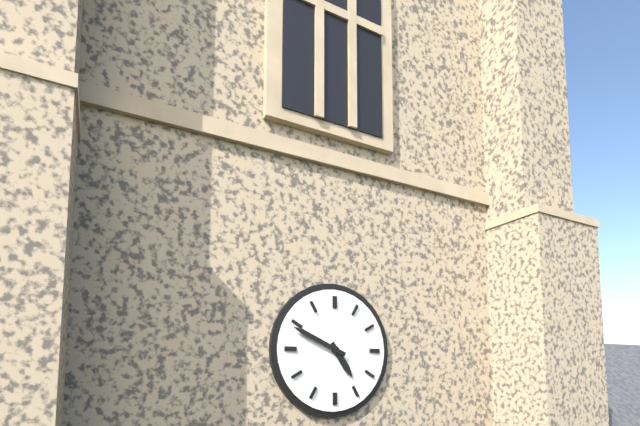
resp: 4h49
